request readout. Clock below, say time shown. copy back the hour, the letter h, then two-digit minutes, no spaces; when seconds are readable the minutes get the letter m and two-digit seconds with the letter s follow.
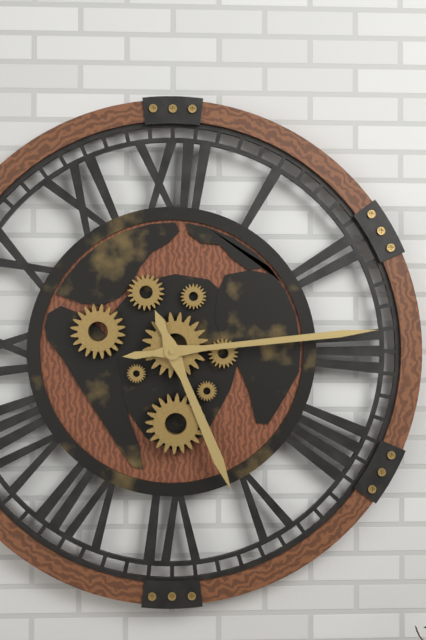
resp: 5h14
